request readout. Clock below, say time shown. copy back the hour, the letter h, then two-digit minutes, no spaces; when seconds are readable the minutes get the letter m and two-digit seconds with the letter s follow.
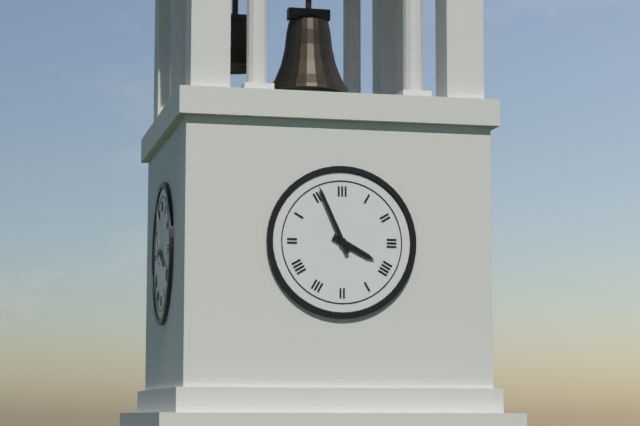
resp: 3h56
